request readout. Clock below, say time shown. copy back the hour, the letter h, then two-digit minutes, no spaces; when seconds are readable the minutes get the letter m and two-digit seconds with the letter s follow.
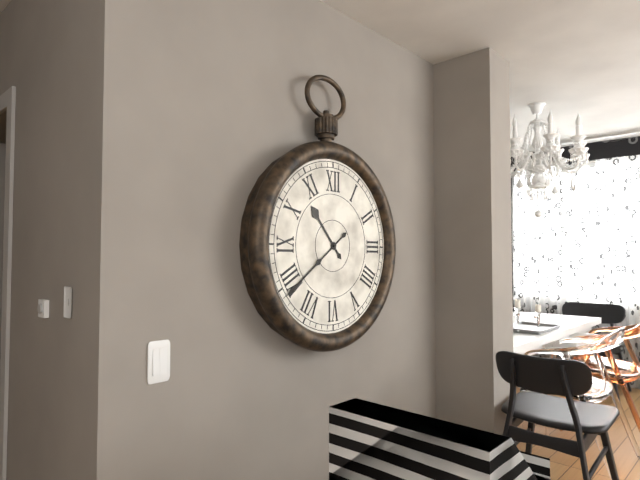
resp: 10h39
